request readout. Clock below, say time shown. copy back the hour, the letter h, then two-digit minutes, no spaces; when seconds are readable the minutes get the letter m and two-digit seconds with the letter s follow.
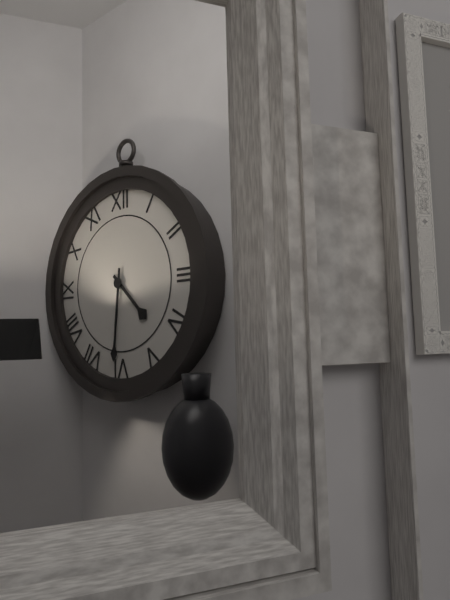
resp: 4h31
